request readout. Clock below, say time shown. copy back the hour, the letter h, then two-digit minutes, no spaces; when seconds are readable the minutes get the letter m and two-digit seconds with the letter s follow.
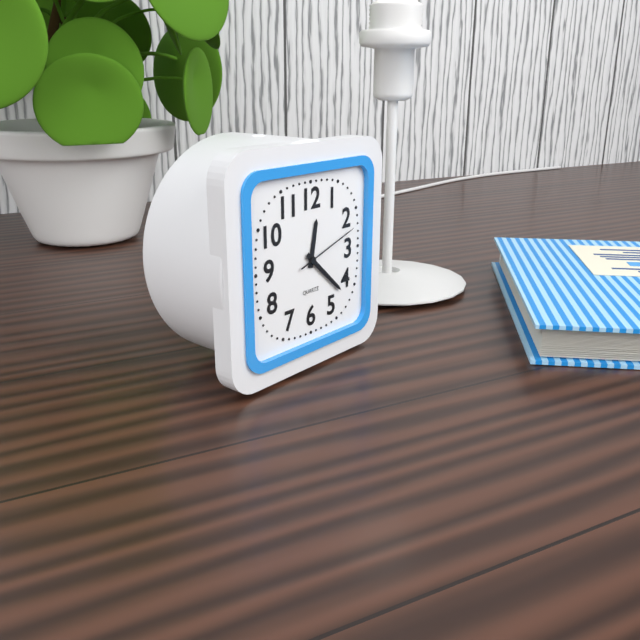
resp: 12h22m12s
